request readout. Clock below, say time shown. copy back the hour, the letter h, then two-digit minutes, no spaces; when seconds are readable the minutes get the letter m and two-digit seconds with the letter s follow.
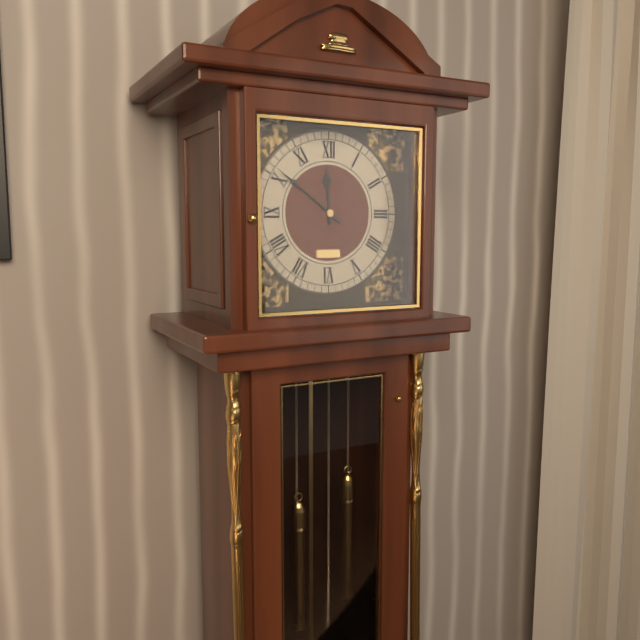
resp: 11h51
